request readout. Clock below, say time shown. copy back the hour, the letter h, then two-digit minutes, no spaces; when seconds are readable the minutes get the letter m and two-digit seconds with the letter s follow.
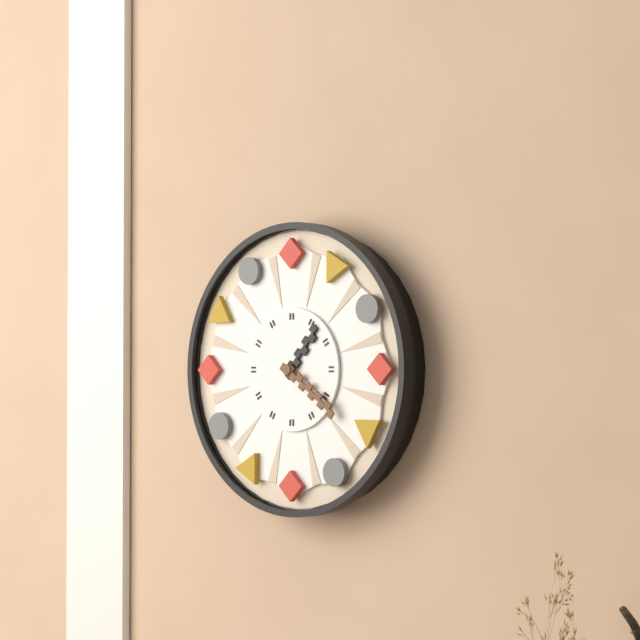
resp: 1h21
